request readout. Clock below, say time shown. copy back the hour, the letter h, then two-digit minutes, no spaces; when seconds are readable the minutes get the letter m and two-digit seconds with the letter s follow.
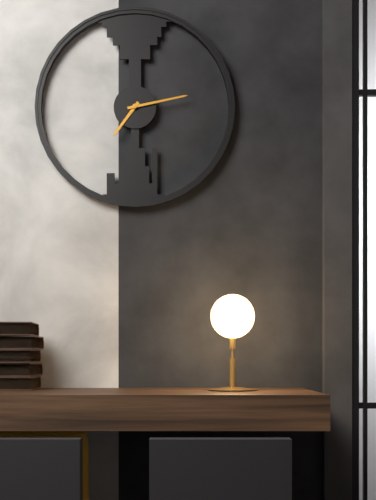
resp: 7h13
